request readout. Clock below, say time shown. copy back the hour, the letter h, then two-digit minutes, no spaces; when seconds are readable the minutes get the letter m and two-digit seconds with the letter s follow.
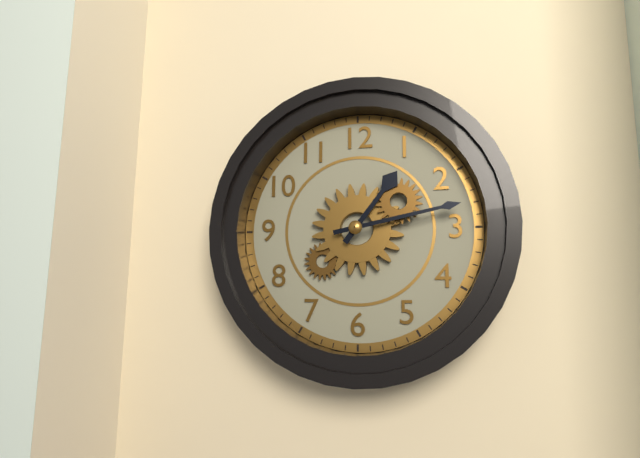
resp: 1h13
